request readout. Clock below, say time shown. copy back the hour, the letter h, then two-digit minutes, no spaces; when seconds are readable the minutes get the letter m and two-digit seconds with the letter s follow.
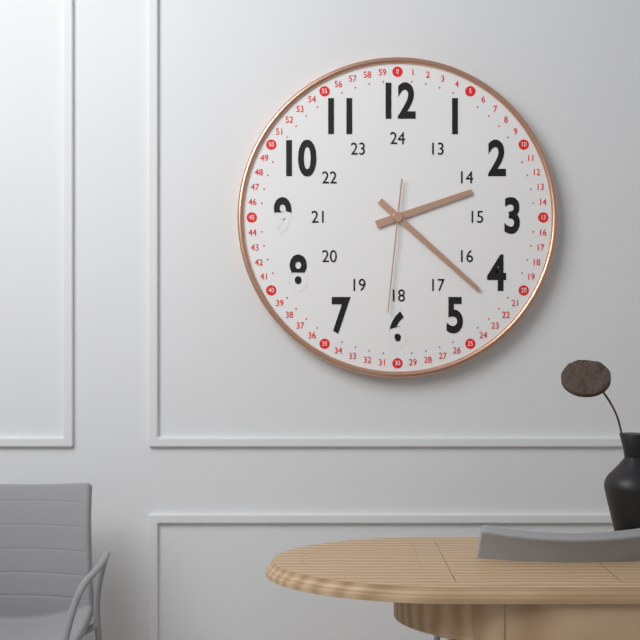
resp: 2h22m31s
